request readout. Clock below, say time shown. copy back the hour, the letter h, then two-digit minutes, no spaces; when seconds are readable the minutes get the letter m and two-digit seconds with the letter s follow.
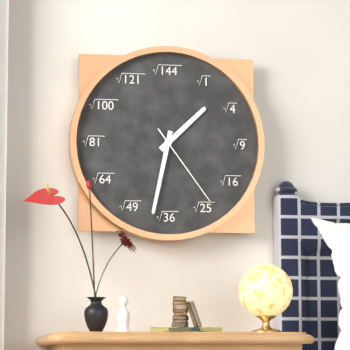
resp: 1h32m24s
